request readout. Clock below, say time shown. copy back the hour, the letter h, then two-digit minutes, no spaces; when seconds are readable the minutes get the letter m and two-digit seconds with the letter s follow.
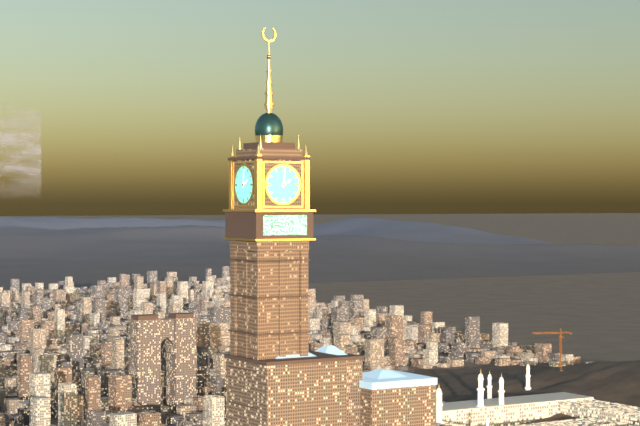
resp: 2h01
